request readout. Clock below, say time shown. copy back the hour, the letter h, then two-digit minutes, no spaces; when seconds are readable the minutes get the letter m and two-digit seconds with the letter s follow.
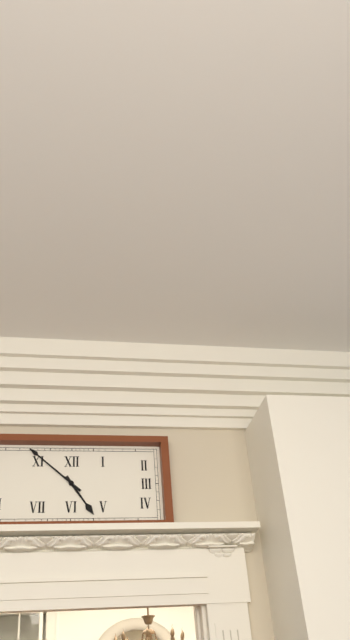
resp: 4h52
